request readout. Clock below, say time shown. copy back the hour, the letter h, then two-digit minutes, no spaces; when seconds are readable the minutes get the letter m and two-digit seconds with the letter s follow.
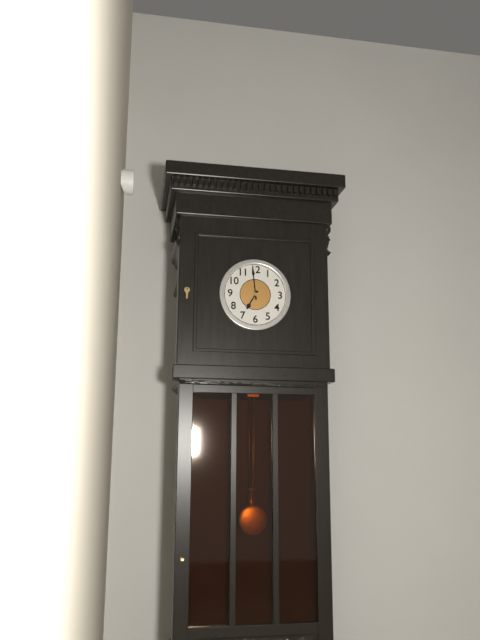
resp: 6h59
